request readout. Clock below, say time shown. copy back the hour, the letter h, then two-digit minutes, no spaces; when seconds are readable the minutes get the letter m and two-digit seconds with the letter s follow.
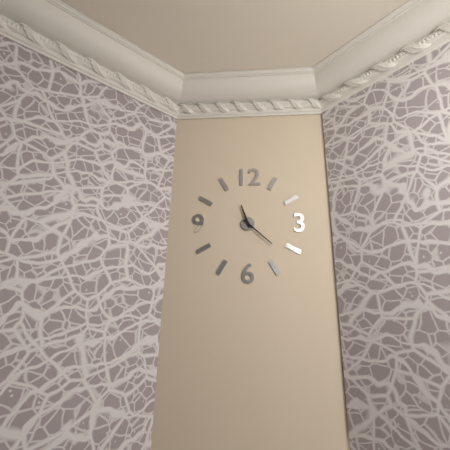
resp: 11h22
